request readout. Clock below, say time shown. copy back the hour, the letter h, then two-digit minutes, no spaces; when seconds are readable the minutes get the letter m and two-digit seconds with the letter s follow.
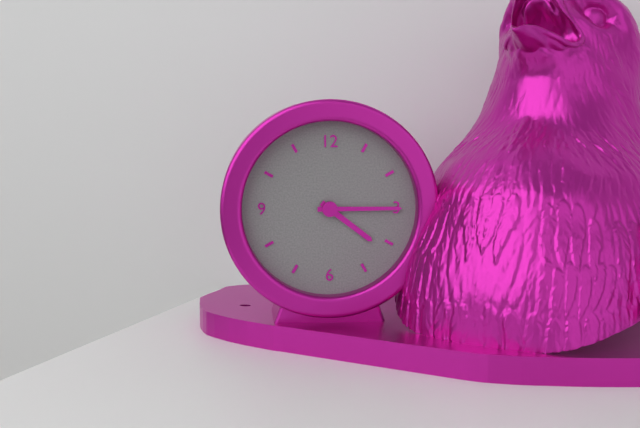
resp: 4h15
